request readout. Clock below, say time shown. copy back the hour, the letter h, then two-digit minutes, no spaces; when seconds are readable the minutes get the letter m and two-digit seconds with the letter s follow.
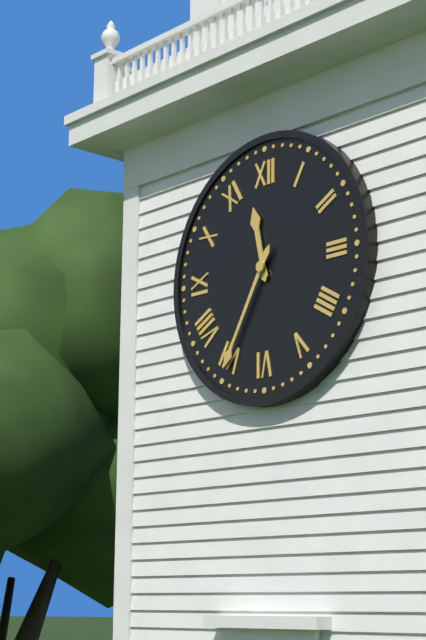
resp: 11h35
